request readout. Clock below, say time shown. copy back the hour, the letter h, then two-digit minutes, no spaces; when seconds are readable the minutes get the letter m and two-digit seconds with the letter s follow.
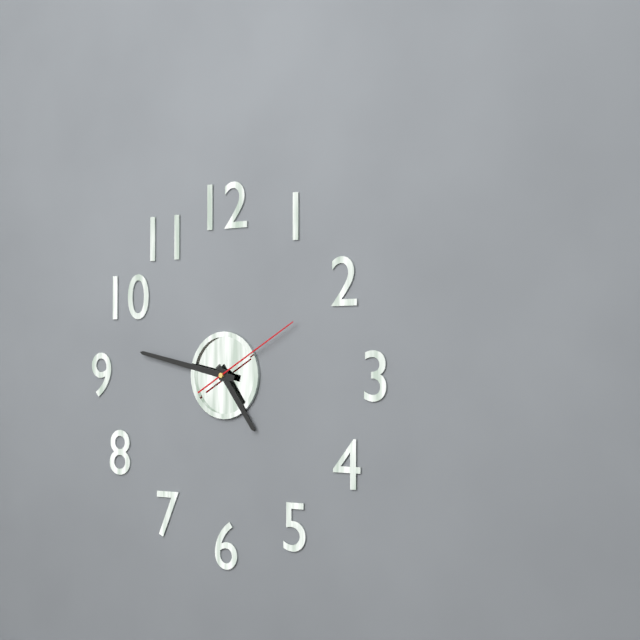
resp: 4h47m10s
